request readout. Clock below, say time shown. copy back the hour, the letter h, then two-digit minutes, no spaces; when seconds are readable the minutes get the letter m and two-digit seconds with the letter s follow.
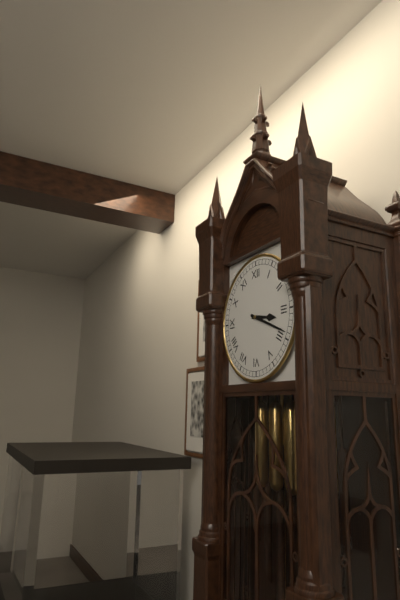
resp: 3h19
